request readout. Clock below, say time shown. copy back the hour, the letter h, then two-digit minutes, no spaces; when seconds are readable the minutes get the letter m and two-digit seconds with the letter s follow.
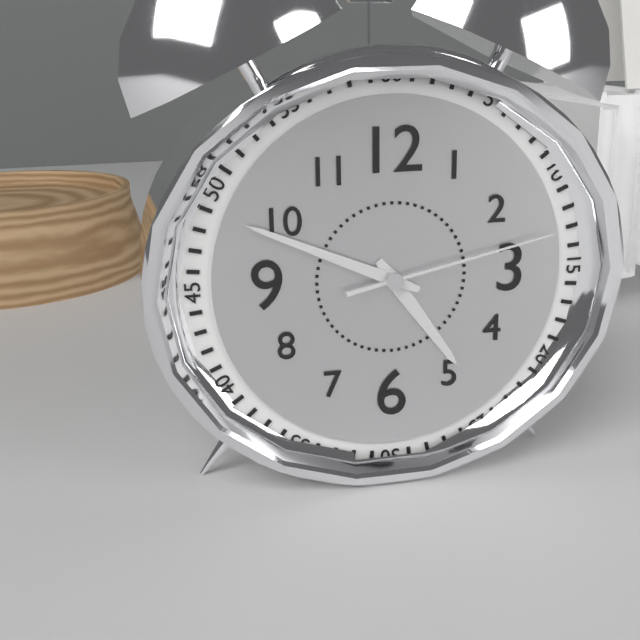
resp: 4h49m13s
